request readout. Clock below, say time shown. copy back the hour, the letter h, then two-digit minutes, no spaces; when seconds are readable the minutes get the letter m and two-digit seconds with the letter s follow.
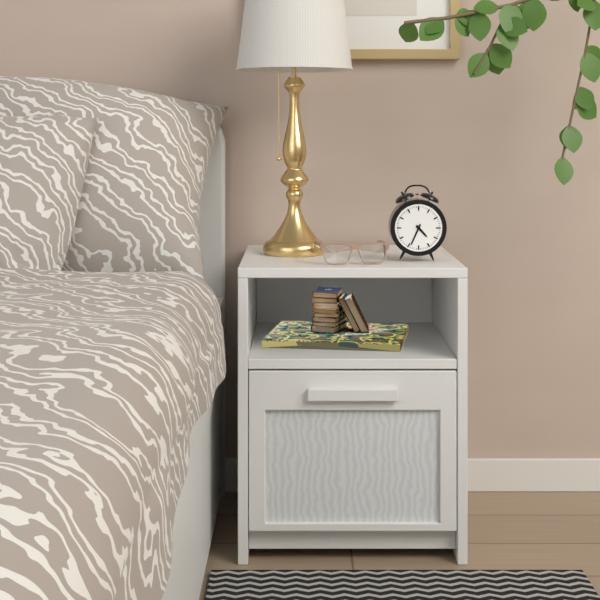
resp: 4h34
